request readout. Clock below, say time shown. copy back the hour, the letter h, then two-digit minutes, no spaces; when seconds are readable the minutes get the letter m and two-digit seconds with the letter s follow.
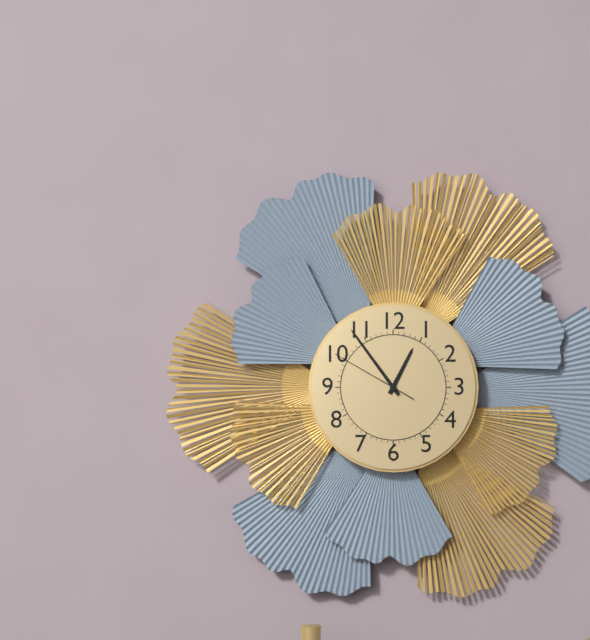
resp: 12h54m50s
